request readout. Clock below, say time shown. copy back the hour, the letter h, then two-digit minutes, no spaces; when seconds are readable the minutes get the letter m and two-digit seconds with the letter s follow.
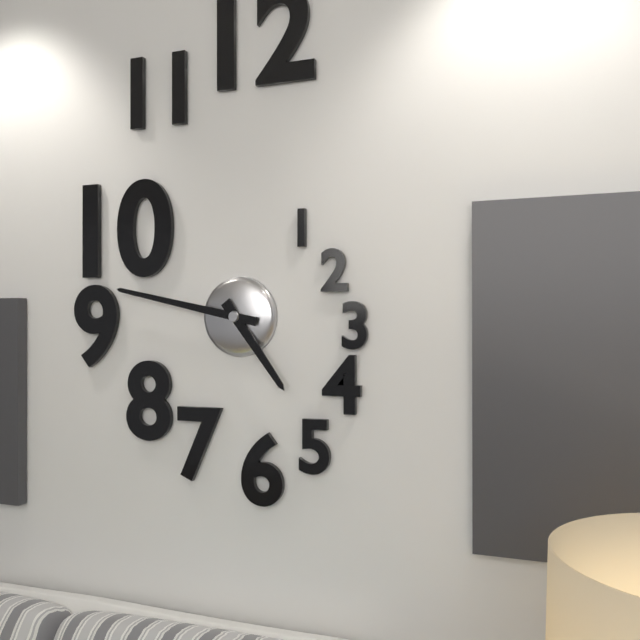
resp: 4h47
